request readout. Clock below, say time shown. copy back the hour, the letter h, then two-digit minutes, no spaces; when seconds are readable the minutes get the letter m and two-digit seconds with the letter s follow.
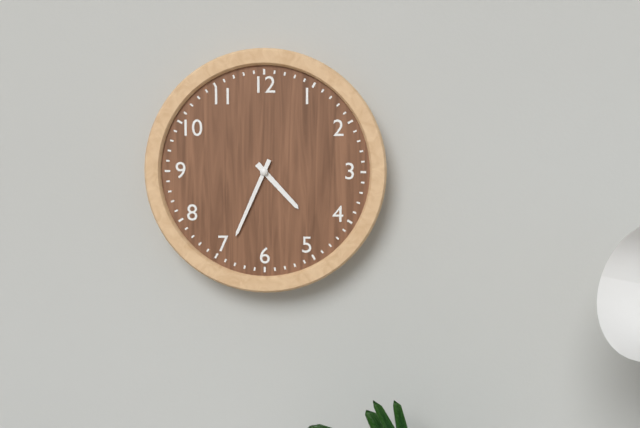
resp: 4h34
